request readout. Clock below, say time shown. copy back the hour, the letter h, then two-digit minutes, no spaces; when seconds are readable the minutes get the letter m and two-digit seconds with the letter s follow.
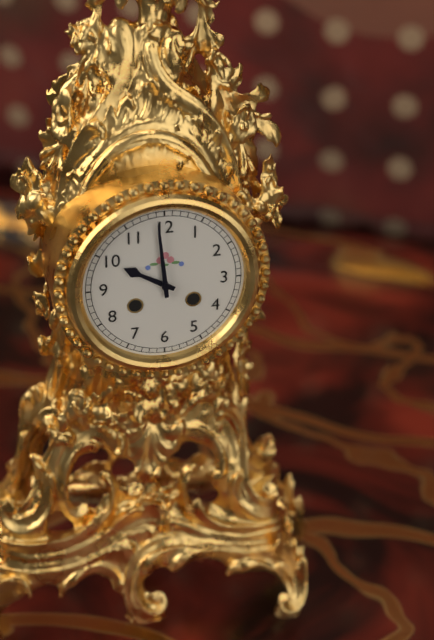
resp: 9h59
